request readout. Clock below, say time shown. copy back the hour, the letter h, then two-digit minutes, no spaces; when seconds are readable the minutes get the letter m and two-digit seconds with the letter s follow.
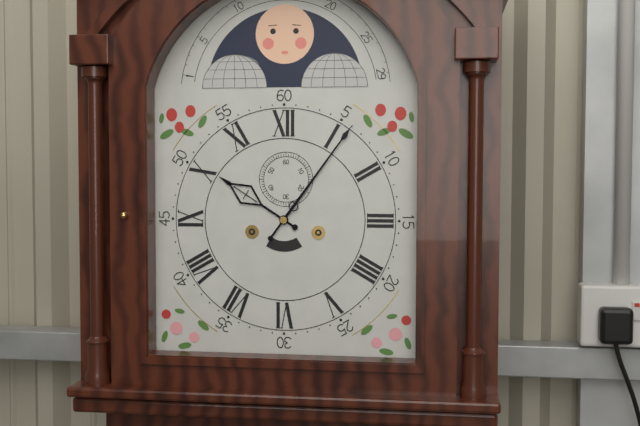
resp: 10h06
